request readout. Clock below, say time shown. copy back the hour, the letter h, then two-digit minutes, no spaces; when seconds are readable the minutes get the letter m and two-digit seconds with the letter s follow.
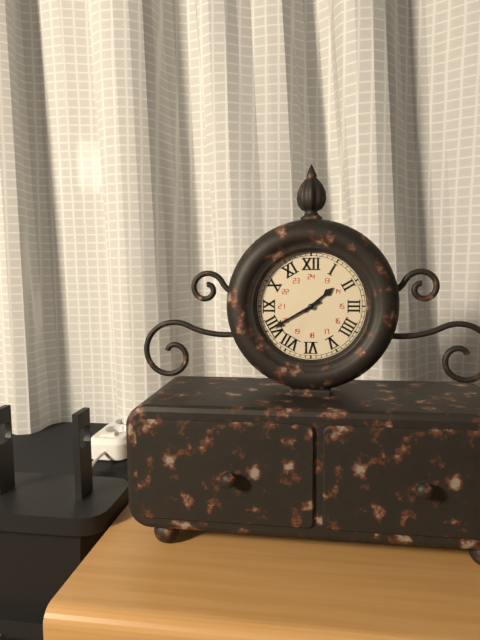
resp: 1h40
